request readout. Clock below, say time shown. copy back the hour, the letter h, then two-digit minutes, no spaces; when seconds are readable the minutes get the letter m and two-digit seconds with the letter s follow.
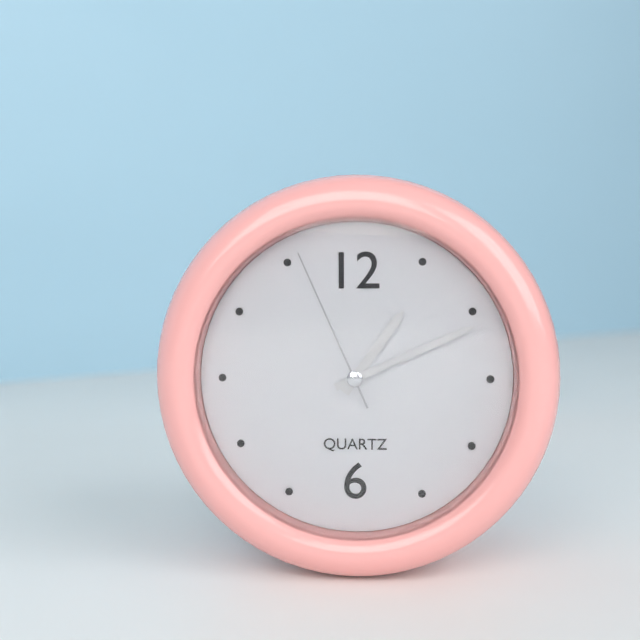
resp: 1h11m56s
